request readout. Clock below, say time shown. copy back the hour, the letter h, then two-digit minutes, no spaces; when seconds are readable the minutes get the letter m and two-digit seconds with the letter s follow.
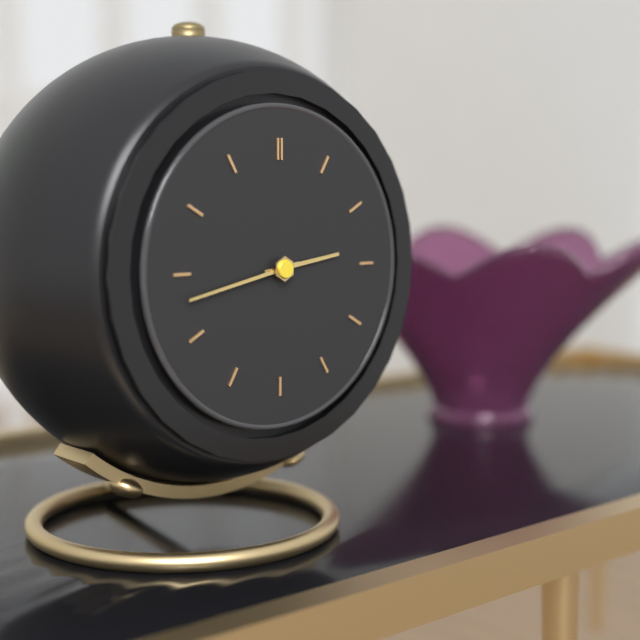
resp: 2h43
